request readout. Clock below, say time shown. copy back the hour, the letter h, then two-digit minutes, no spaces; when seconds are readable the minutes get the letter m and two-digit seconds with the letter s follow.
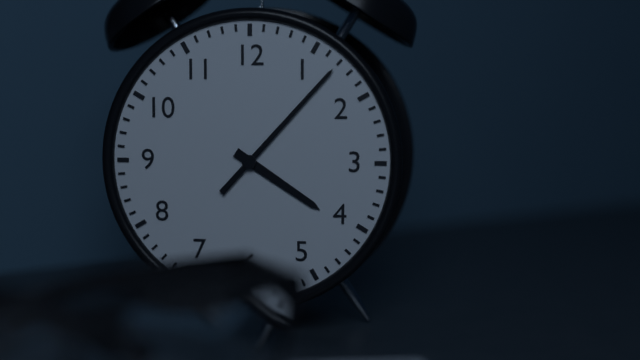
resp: 4h07
